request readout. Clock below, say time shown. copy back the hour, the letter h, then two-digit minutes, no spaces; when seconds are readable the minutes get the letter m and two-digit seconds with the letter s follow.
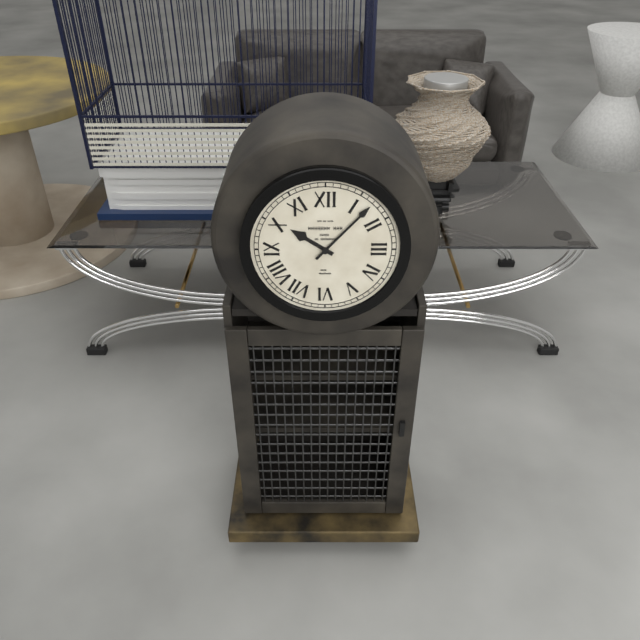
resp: 10h07
